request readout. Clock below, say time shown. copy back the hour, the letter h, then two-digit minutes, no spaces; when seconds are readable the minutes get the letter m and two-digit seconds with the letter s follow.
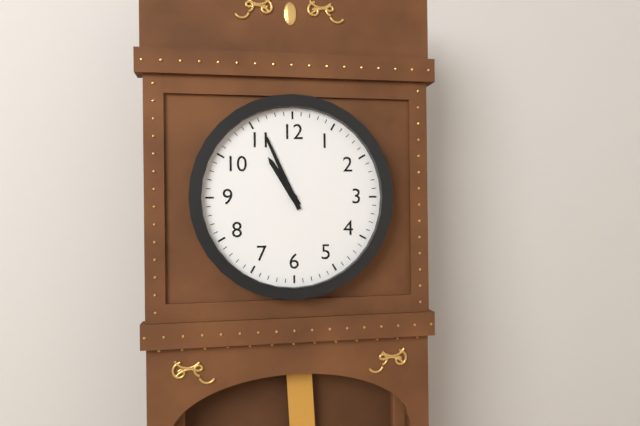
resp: 10h56
